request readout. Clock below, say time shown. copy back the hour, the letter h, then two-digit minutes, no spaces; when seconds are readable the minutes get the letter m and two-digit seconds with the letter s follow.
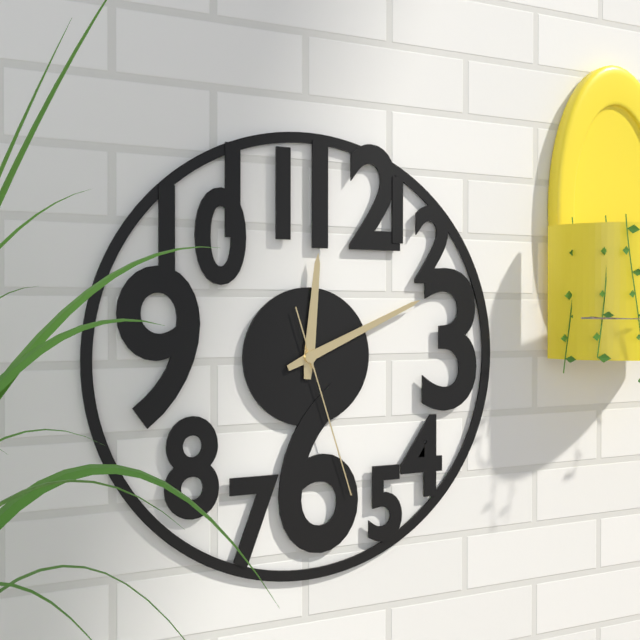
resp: 12h11m27s
